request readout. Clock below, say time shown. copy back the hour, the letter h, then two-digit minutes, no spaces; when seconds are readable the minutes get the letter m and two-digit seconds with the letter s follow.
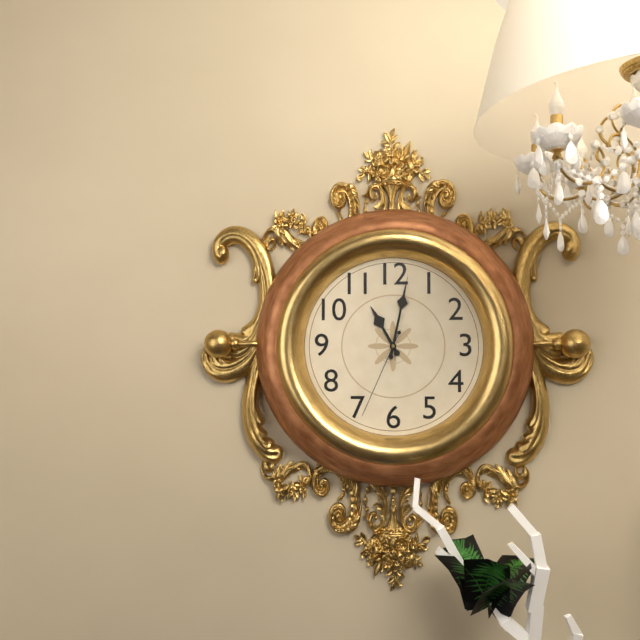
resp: 11h02m34s
